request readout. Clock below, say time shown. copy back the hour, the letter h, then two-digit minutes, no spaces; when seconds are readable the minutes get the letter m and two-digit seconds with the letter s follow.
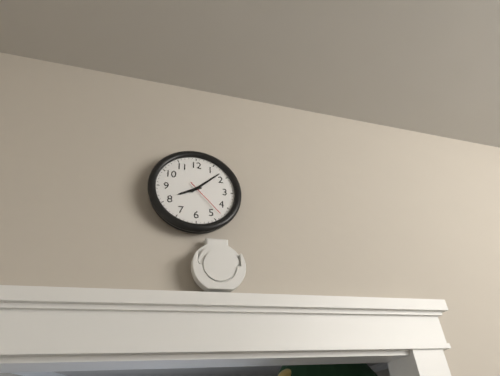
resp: 8h08
